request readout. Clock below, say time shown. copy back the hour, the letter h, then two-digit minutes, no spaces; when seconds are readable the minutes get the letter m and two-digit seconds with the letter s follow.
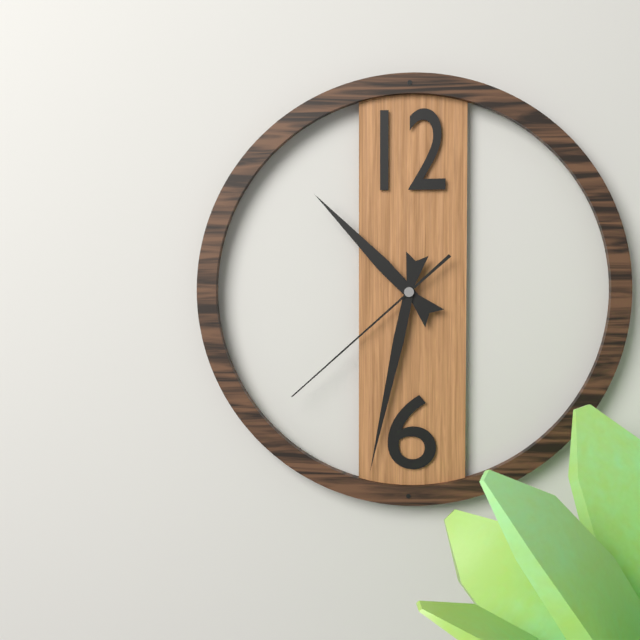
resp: 10h32m38s
